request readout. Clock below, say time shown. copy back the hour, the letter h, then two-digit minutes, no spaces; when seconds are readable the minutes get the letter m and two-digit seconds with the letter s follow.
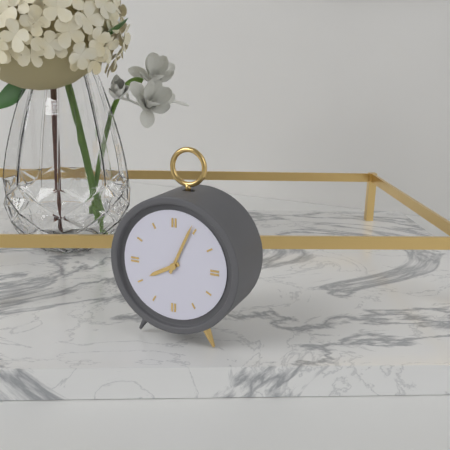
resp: 8h04
